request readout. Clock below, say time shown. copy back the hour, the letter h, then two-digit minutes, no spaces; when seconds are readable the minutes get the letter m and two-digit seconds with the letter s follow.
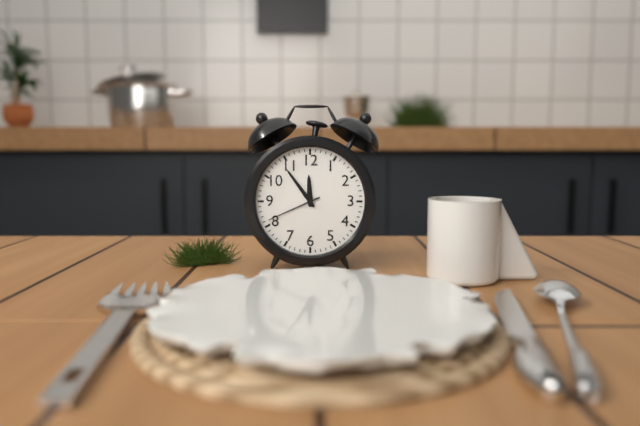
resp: 11h54m41s
